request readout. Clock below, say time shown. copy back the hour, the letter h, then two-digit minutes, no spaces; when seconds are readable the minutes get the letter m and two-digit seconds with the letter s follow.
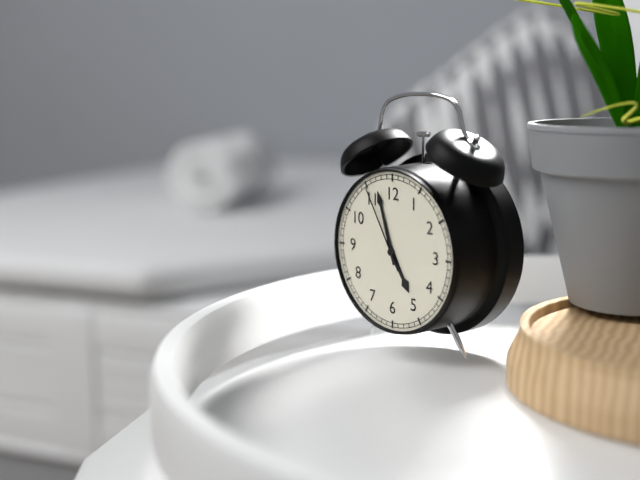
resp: 4h57m55s
